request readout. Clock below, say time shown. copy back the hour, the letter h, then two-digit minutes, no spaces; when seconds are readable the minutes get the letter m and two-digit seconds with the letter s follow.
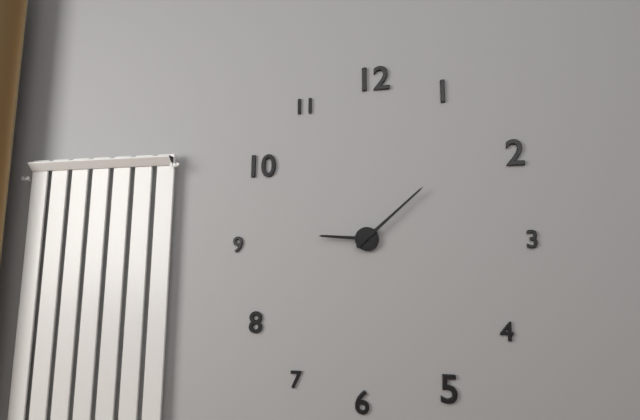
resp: 9h08
